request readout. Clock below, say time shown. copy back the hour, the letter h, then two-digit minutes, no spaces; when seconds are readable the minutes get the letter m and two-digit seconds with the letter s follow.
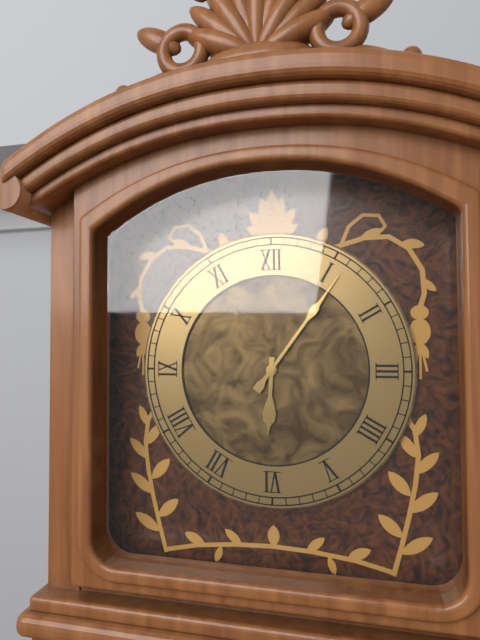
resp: 6h06
